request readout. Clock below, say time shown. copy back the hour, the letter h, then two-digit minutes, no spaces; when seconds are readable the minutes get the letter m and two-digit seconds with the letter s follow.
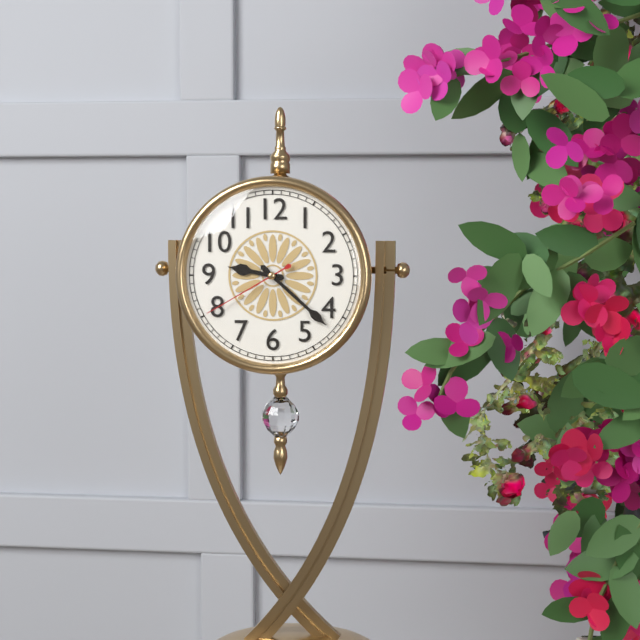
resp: 9h22m40s
